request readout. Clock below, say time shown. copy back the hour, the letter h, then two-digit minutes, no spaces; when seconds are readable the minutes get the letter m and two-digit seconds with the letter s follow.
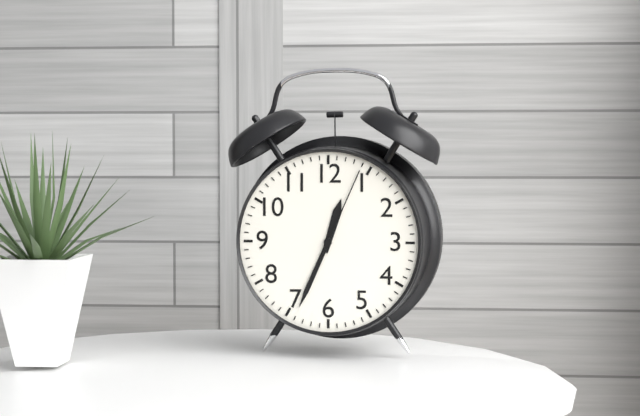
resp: 12h34m04s
